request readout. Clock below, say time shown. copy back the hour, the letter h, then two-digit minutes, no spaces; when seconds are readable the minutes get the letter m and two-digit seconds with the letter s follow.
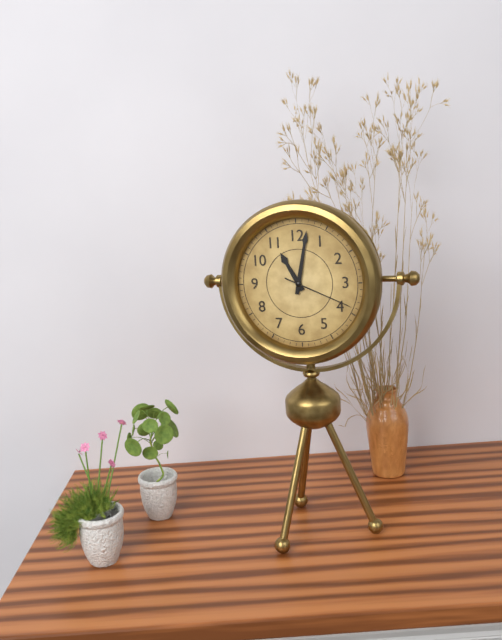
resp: 11h02m19s
